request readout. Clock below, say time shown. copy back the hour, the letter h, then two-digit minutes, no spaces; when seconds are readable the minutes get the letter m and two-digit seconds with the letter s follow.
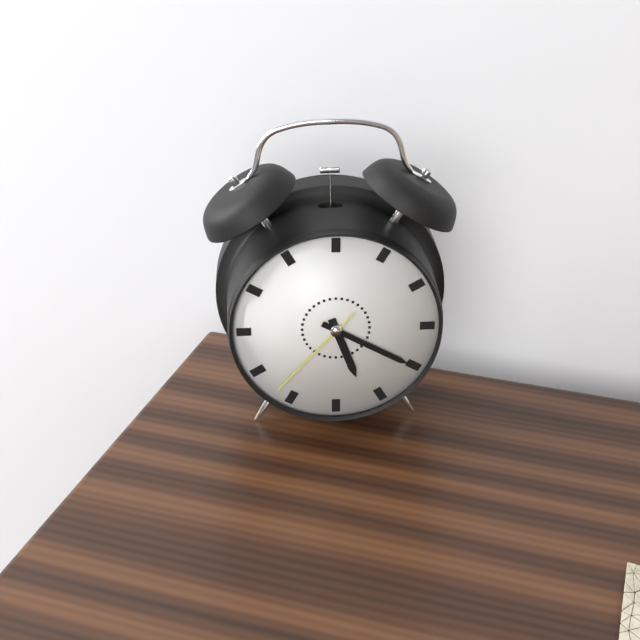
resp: 5h20m37s
